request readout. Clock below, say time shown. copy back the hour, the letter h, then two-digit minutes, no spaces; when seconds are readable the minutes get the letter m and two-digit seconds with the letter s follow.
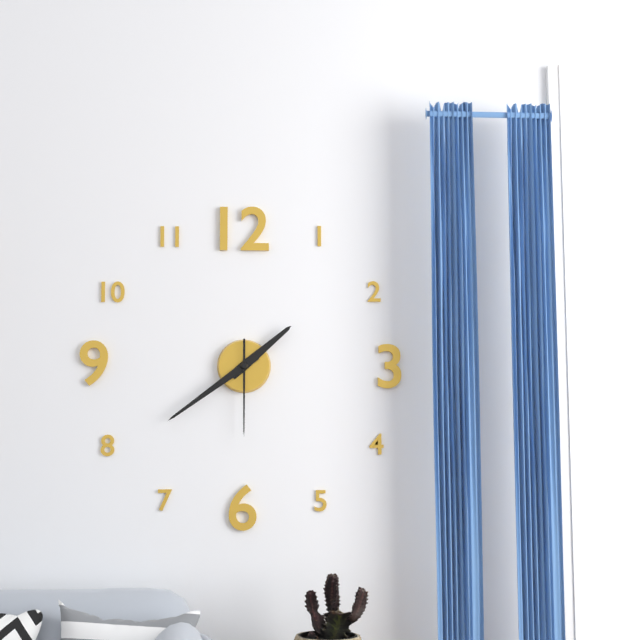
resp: 1h39m30s
